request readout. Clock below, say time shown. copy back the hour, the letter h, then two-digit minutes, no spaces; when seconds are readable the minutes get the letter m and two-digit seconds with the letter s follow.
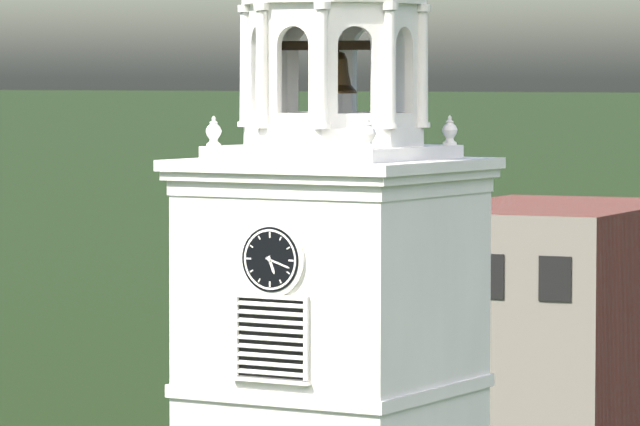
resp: 5h18
